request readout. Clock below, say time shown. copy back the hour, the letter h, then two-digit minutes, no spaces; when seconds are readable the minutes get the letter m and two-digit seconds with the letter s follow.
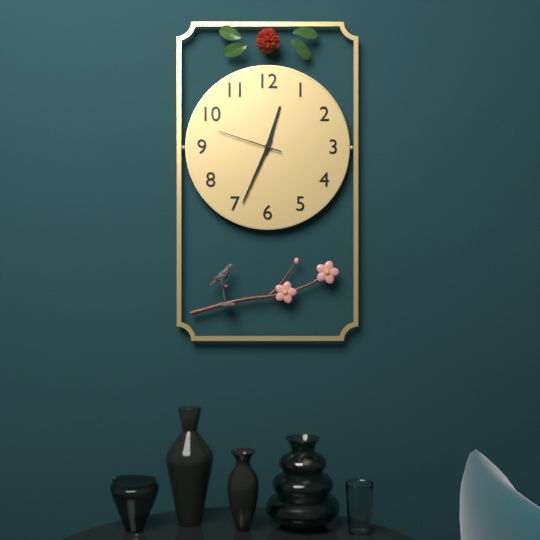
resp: 12h34m48s
